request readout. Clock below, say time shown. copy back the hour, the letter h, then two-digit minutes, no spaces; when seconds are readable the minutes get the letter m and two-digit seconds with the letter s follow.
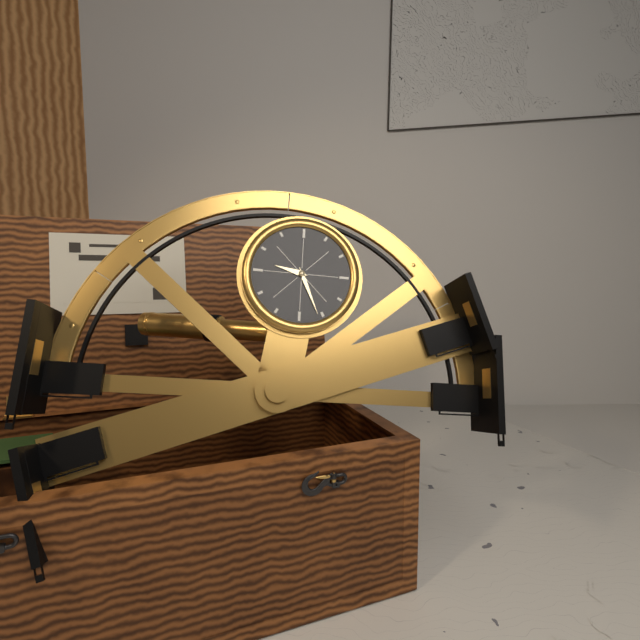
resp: 9h26
